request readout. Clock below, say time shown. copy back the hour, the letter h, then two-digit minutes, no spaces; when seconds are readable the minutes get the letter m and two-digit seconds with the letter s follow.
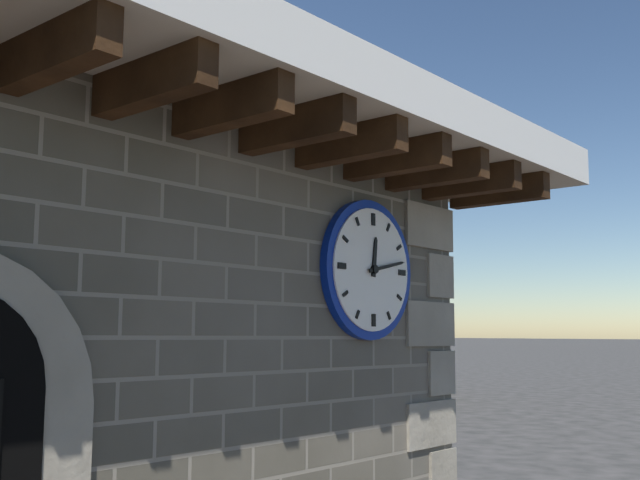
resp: 12h13
